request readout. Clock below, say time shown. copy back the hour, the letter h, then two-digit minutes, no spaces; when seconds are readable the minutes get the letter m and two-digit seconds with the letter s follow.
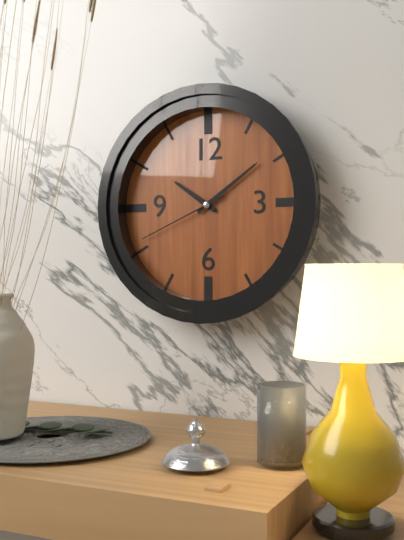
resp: 10h09m41s
